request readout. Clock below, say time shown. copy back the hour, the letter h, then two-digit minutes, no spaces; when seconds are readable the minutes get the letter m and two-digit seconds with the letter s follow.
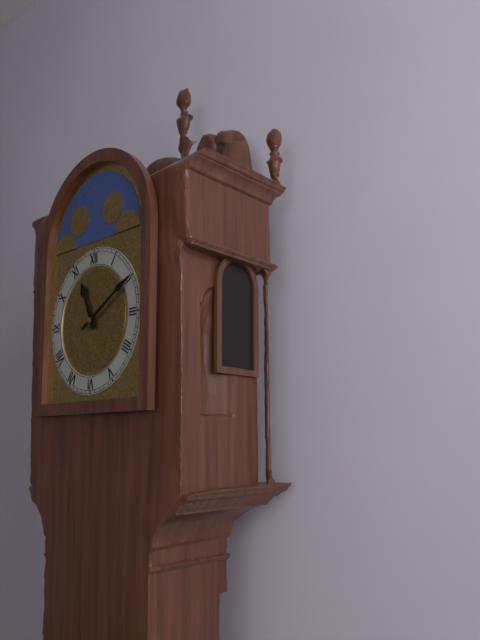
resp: 11h10
